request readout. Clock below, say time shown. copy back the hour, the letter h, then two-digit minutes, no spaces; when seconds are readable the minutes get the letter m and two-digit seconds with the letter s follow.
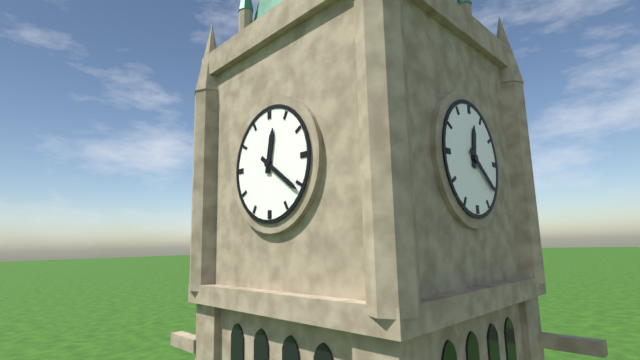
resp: 12h21
